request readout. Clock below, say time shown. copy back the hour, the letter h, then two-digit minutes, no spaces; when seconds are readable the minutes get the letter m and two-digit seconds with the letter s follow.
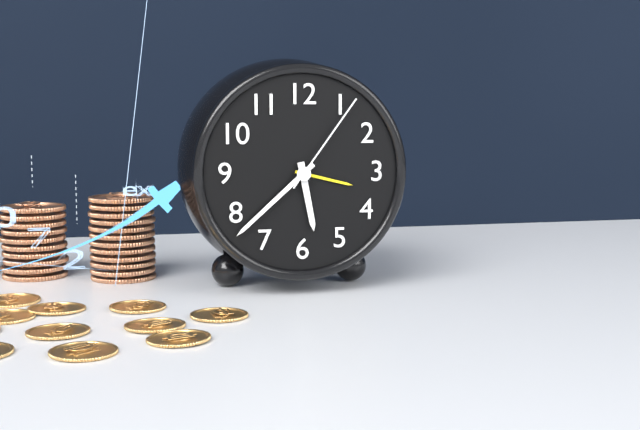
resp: 5h38m06s
